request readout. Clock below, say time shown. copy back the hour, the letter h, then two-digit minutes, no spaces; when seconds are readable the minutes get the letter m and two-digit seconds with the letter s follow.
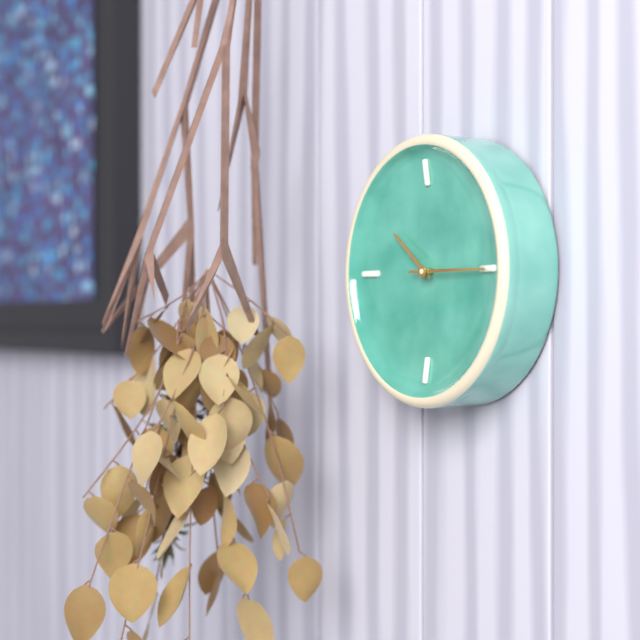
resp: 10h15
